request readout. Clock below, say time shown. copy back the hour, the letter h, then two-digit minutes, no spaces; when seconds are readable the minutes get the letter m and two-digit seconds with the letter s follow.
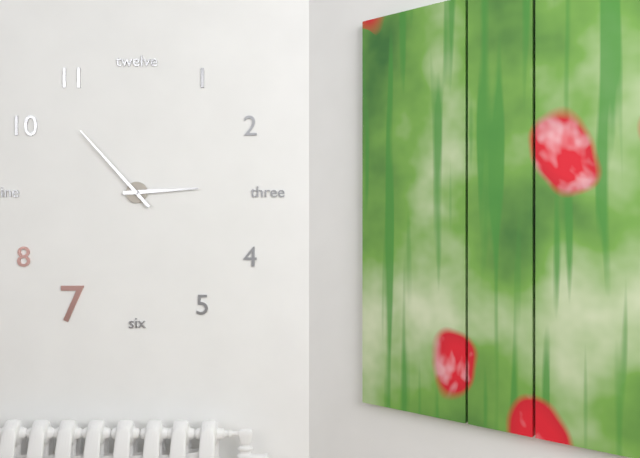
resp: 2h53
